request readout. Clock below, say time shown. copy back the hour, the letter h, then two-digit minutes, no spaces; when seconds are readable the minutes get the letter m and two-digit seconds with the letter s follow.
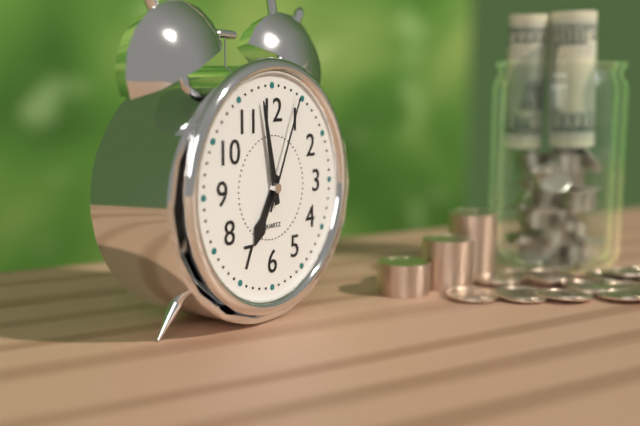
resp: 6h58m04s
